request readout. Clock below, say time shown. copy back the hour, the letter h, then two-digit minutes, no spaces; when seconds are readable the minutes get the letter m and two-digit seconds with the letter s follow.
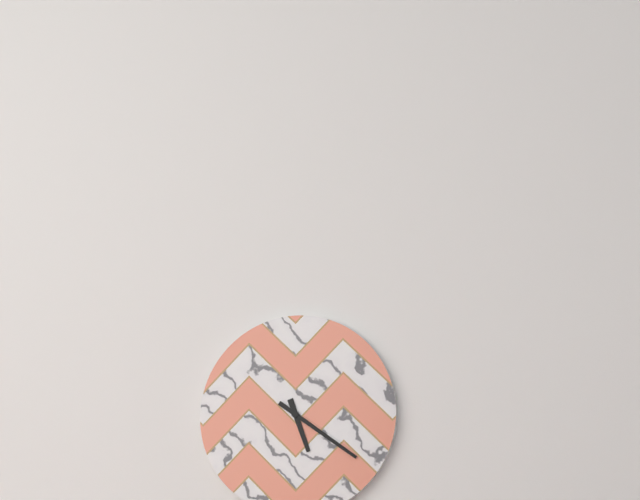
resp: 5h21
